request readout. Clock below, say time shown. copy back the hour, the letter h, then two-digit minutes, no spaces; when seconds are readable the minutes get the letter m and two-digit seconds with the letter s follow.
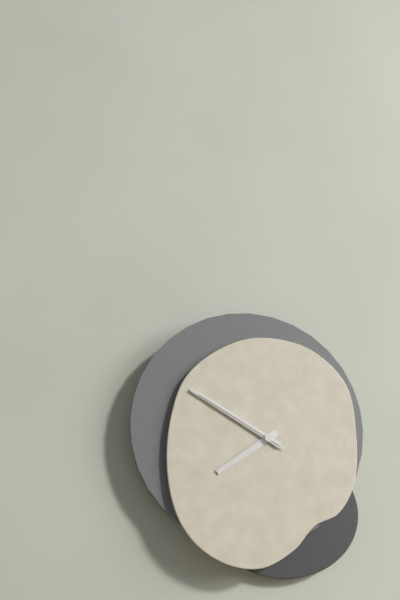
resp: 7h50m50s
